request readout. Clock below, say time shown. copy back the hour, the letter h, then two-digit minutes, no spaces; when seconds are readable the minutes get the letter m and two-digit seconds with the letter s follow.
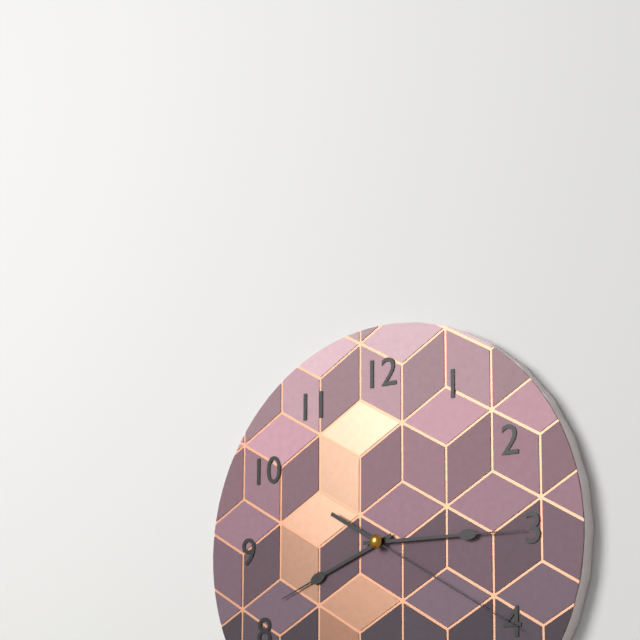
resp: 8h15m20s
